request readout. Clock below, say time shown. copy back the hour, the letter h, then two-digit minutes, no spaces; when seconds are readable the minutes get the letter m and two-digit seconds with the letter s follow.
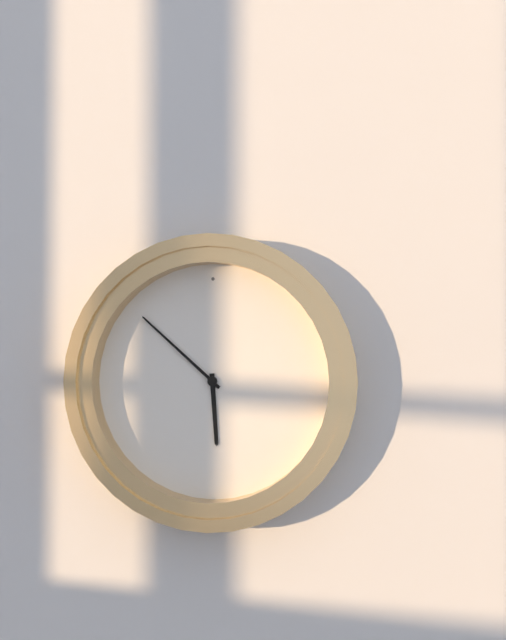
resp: 5h52
